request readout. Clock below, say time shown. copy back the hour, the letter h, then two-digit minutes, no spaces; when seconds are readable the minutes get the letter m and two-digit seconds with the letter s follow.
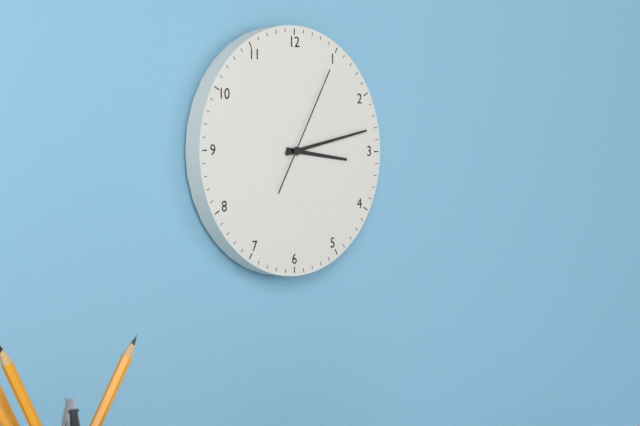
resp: 3h13m05s
